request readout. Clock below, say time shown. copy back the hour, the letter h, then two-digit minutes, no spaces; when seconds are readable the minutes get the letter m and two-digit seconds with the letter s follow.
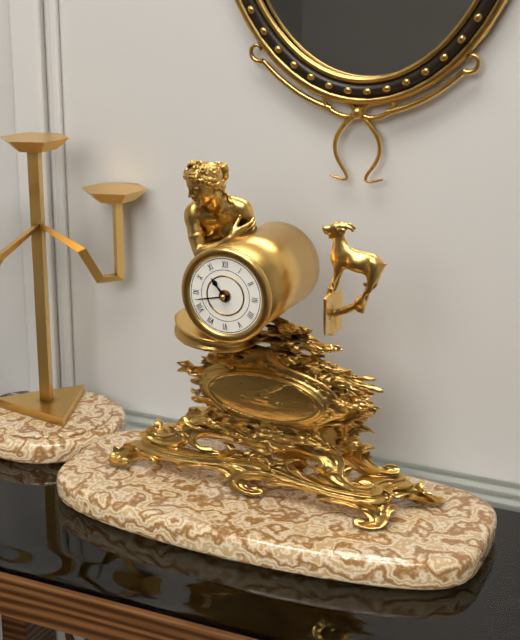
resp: 10h43
